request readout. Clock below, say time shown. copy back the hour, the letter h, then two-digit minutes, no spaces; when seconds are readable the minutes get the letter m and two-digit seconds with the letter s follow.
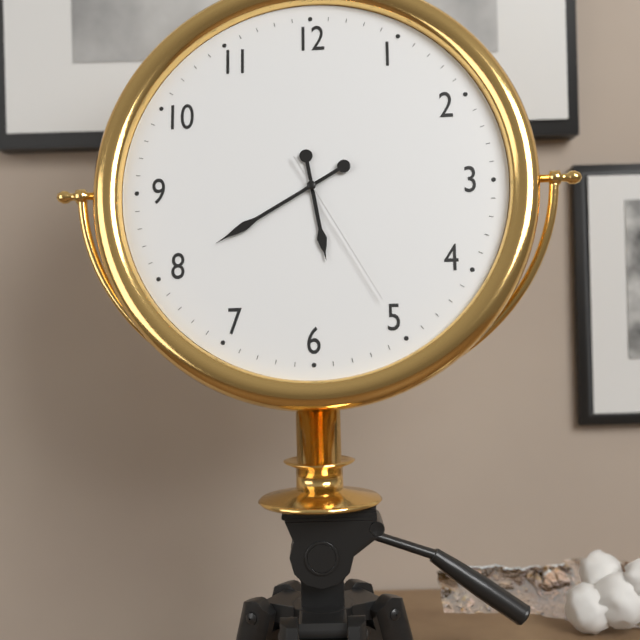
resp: 5h40m25s
